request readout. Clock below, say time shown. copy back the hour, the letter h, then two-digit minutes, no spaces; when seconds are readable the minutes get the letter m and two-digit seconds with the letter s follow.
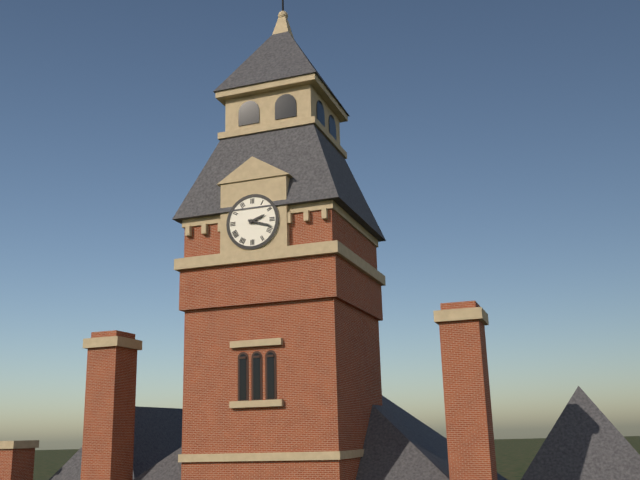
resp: 2h18
